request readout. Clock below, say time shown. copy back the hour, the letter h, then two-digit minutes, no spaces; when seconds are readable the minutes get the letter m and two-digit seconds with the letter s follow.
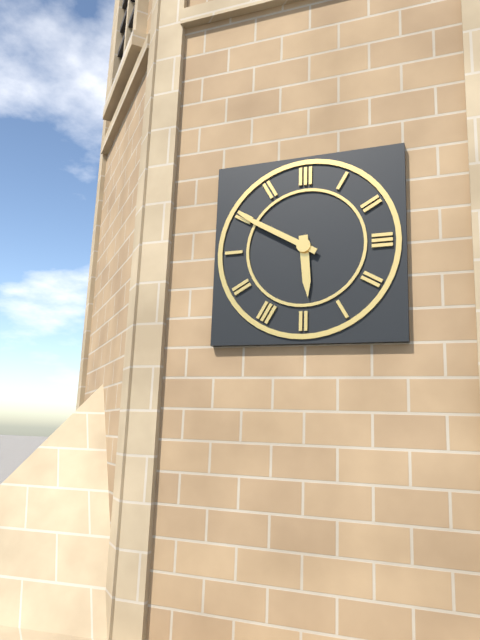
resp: 5h50
